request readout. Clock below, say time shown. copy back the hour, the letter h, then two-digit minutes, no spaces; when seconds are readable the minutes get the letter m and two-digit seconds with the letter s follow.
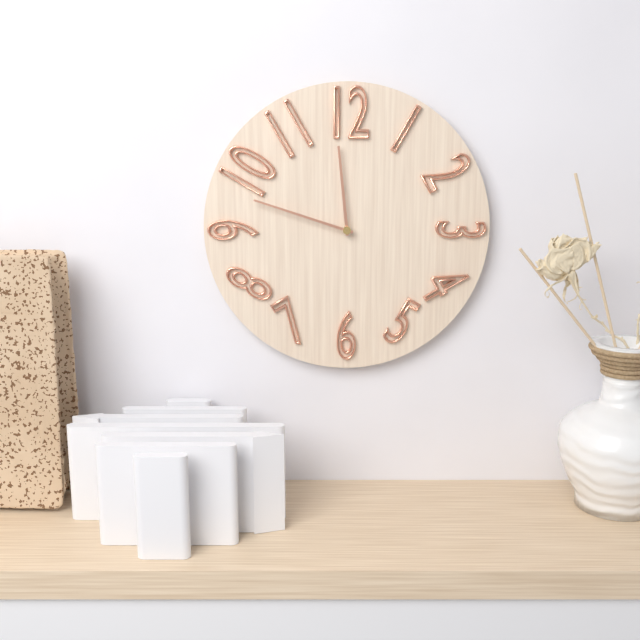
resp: 11h48
